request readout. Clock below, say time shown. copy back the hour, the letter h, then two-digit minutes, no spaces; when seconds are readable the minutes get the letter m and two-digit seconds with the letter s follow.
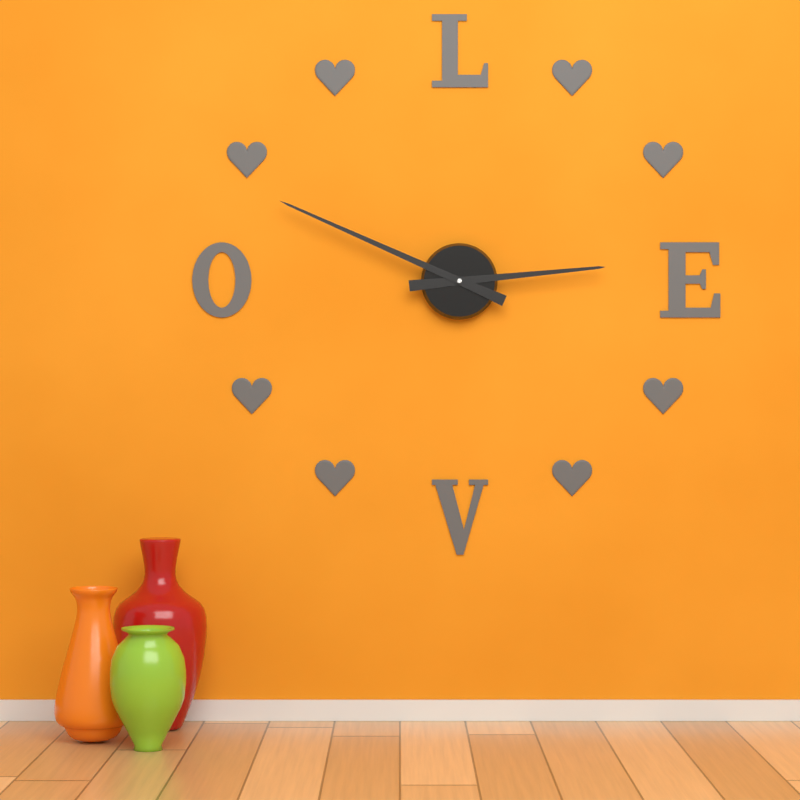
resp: 2h49
